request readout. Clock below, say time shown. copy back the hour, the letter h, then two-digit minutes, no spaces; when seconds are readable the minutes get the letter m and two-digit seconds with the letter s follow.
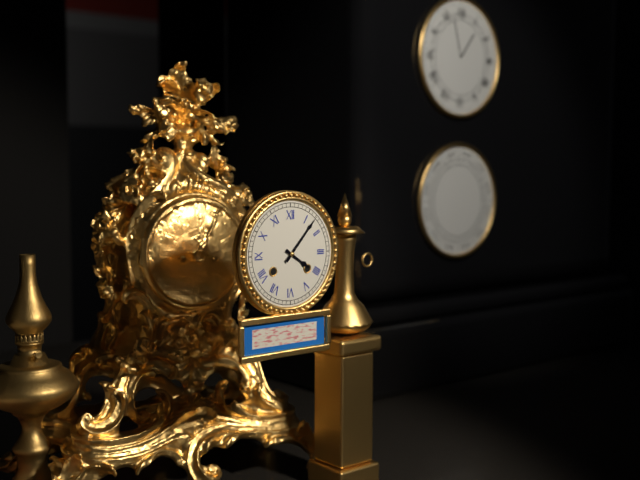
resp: 4h07
